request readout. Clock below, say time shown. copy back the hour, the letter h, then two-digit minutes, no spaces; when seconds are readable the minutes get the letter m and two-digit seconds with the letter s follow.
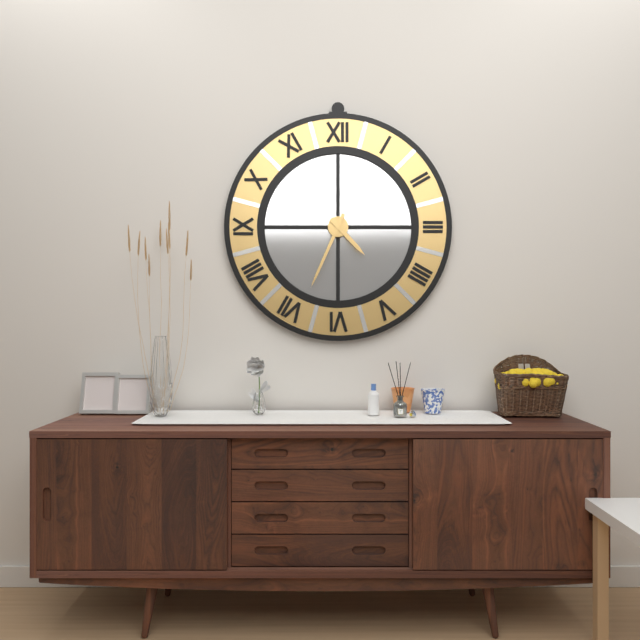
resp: 4h34
